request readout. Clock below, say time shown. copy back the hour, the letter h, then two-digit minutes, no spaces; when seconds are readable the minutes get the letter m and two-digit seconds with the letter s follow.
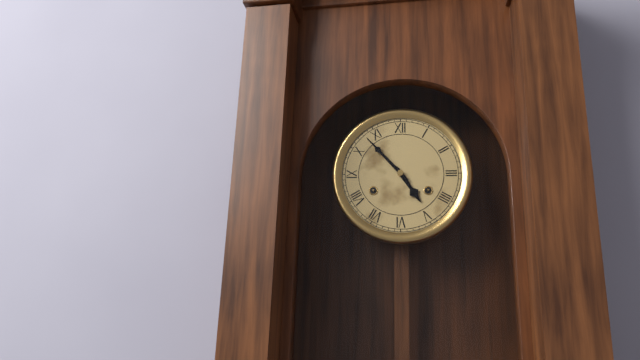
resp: 4h53
